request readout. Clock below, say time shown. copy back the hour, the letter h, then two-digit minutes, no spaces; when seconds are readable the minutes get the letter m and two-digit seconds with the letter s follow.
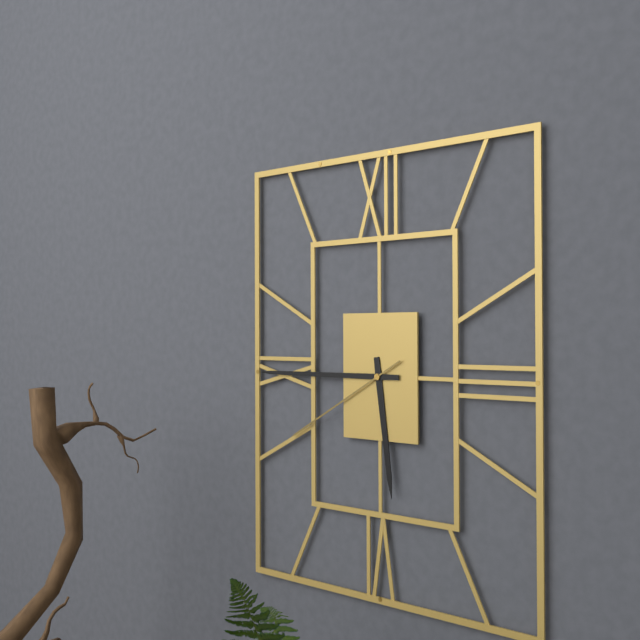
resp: 5h45m40s
